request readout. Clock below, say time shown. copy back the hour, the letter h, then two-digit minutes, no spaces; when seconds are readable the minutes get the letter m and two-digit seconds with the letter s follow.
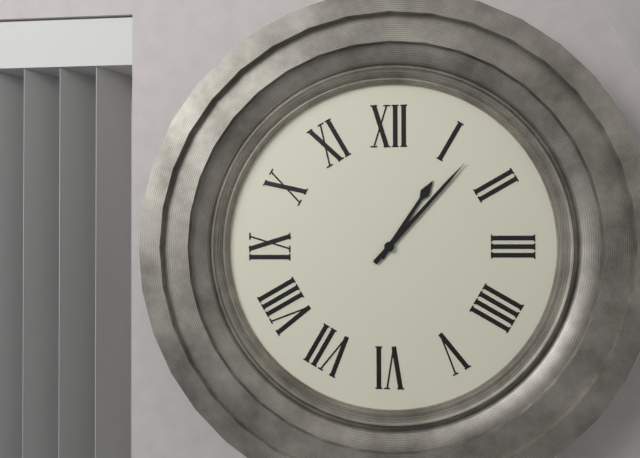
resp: 1h07
